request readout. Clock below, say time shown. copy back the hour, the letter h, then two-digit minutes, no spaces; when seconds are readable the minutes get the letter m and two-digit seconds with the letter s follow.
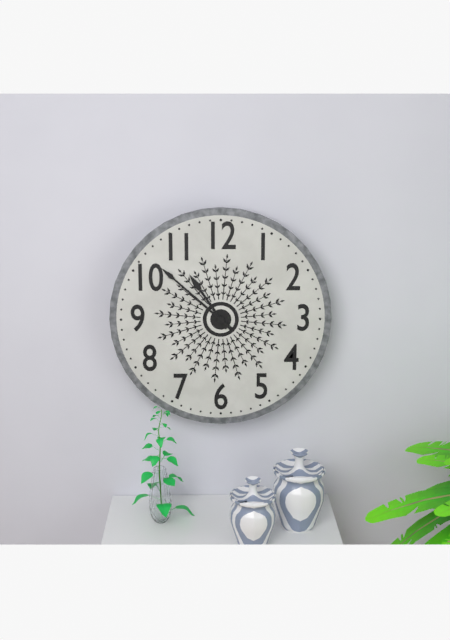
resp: 10h52
